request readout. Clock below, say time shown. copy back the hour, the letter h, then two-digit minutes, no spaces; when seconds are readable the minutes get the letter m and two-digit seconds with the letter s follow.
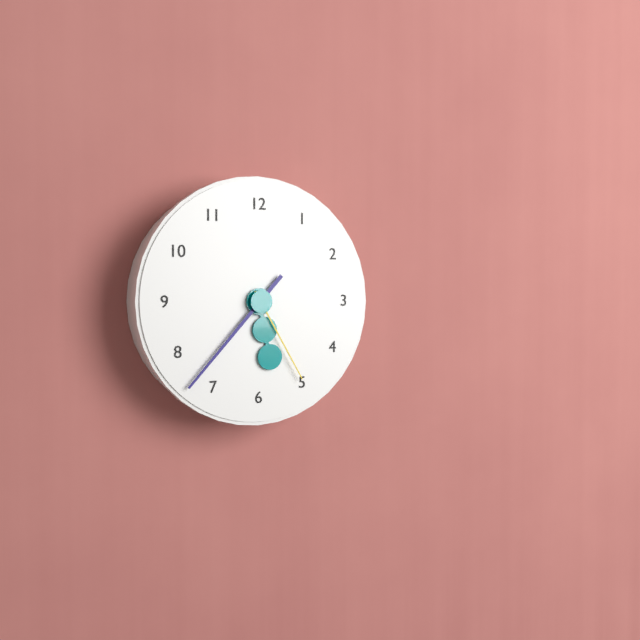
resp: 5h37m25s
